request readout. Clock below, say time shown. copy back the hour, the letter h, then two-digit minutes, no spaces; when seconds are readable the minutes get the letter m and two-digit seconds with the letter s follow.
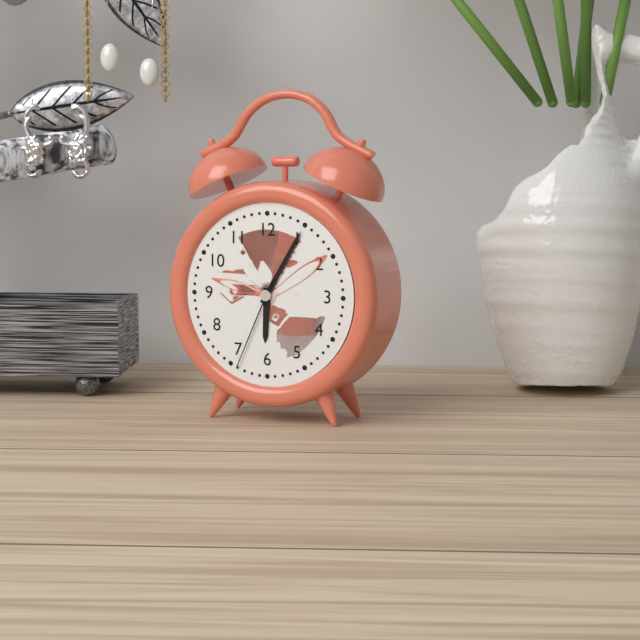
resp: 6h05m34s
